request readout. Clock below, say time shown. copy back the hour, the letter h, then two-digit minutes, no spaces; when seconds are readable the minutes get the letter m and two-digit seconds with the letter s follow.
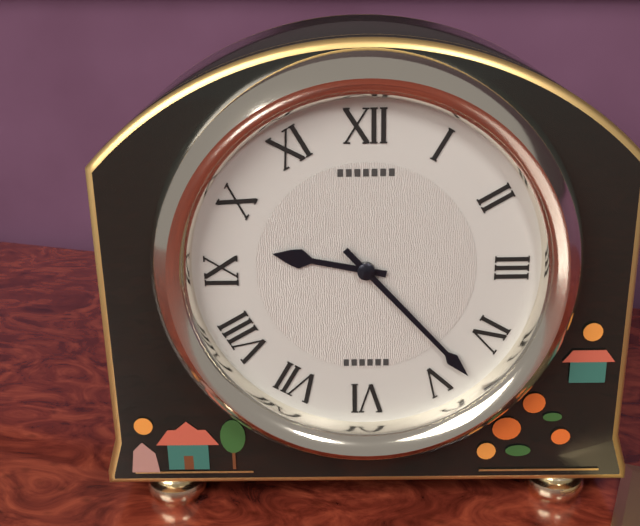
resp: 9h23
